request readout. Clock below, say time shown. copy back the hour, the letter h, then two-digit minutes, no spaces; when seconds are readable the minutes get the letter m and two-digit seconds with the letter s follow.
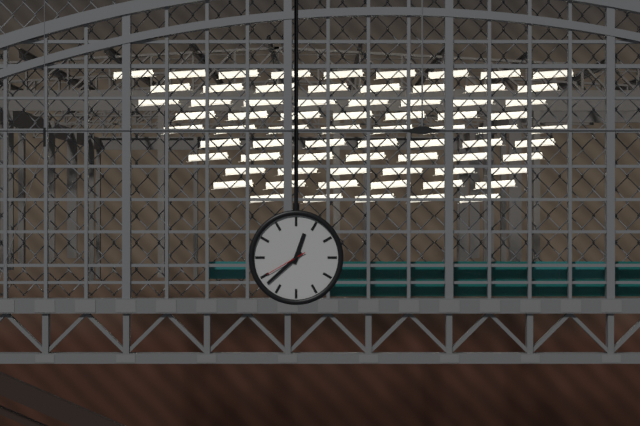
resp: 12h38
